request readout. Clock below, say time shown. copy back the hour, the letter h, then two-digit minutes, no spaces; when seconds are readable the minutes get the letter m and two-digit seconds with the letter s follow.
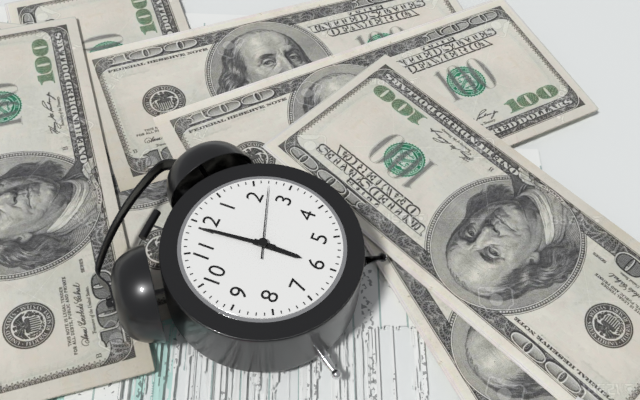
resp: 5h59m12s
